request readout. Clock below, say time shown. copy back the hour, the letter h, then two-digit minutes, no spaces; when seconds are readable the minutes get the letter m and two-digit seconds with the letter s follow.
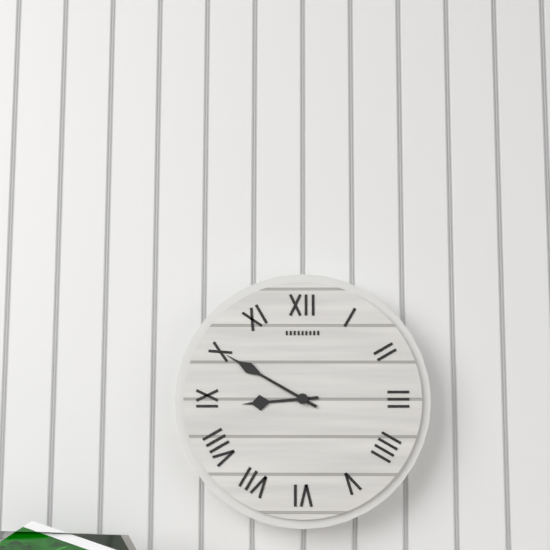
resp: 8h50
